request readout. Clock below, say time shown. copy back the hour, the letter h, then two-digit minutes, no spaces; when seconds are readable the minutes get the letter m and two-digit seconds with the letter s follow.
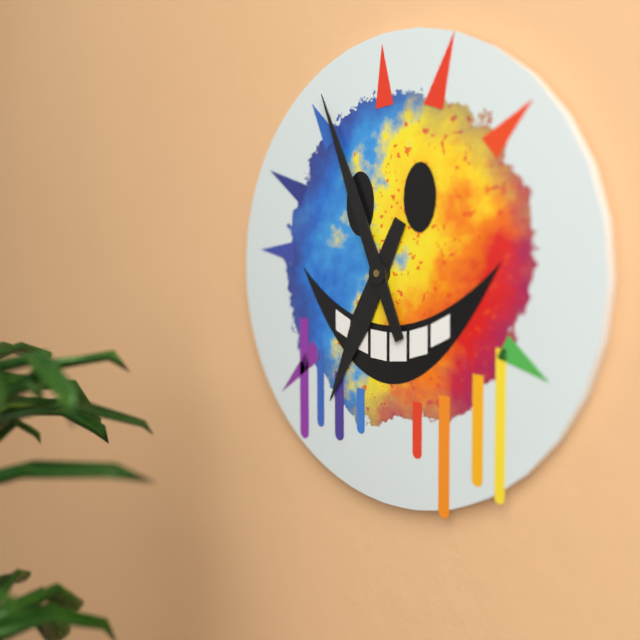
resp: 6h56
